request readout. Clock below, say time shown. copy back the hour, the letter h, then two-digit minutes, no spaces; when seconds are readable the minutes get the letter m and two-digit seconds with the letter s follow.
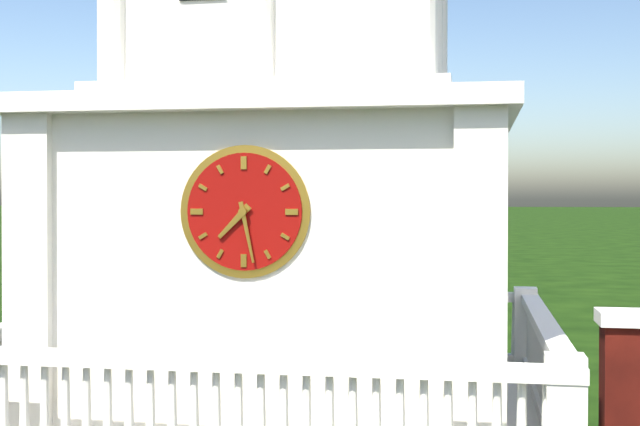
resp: 7h28
